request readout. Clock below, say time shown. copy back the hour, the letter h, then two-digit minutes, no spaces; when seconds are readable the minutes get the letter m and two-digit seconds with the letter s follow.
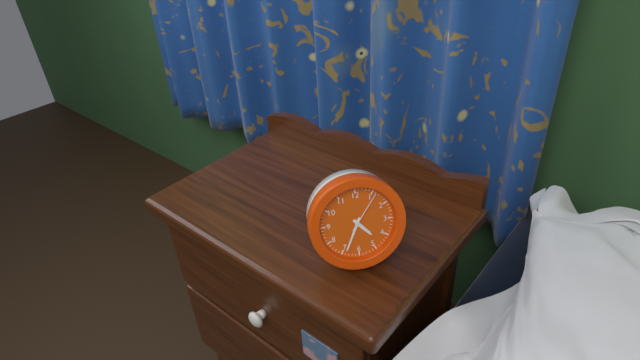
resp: 4h34
